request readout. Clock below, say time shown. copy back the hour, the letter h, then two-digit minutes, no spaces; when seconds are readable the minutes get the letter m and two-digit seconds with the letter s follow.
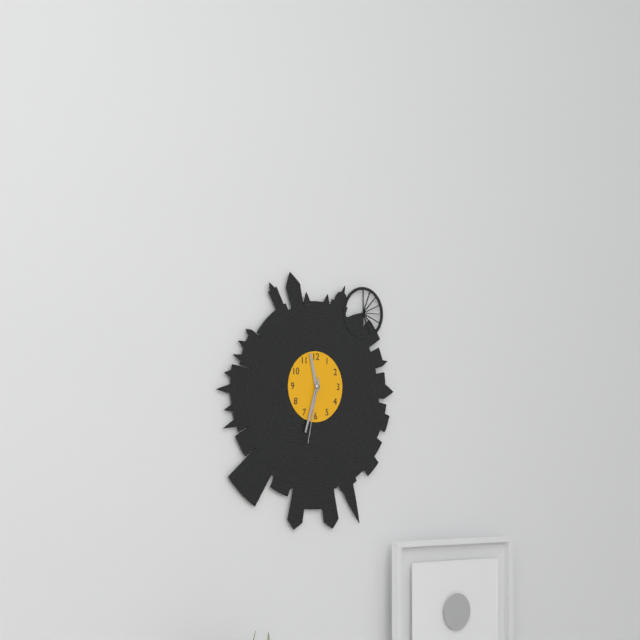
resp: 11h33m32s
